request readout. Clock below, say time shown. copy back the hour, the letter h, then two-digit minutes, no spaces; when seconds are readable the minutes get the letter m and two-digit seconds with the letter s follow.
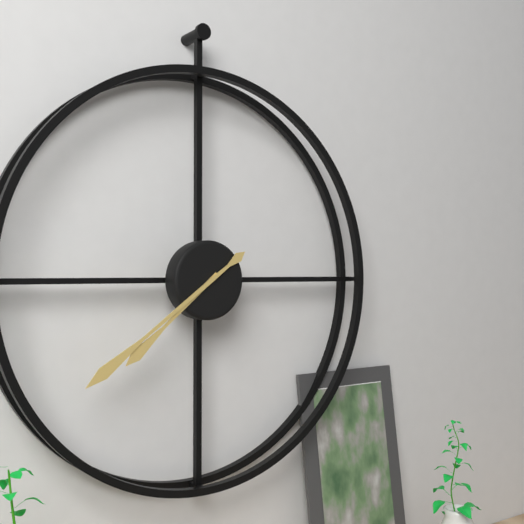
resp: 7h39
